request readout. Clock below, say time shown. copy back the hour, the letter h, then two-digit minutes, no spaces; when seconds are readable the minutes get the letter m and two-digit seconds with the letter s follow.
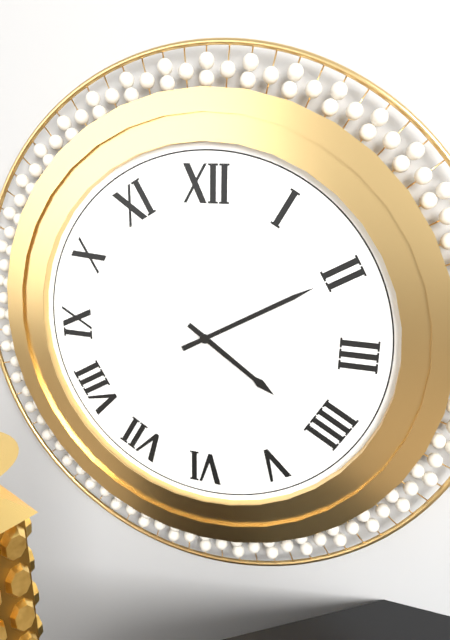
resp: 4h10
